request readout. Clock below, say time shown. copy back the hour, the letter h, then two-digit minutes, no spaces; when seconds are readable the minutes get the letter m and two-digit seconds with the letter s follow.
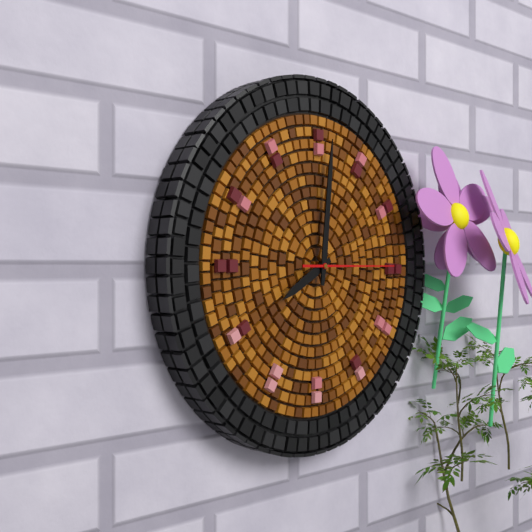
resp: 8h01m15s
